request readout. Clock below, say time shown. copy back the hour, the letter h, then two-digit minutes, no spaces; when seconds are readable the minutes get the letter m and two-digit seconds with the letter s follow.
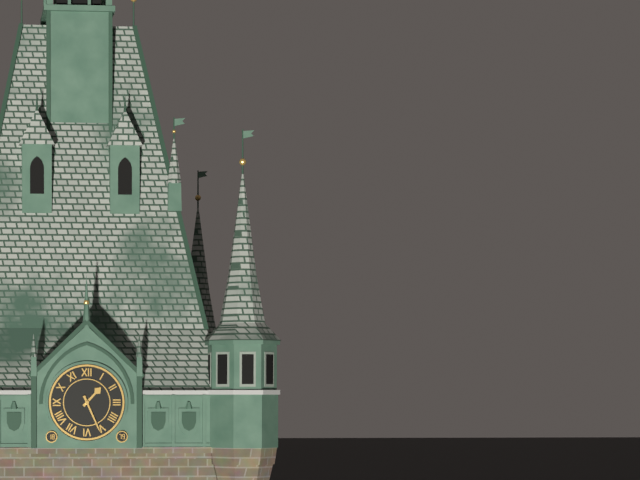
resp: 1h26
